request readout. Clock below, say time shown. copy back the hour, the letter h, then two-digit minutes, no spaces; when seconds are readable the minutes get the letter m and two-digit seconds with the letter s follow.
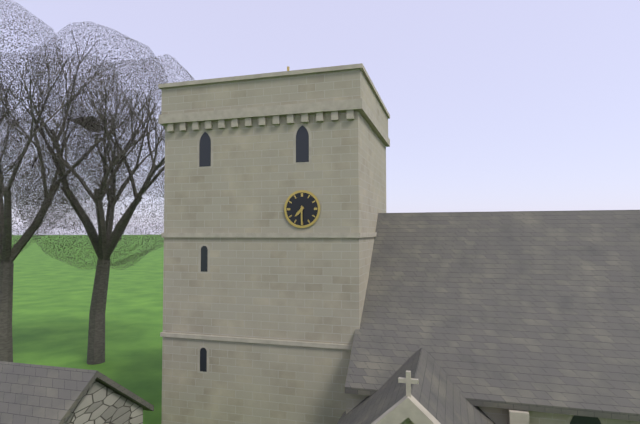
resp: 7h30
